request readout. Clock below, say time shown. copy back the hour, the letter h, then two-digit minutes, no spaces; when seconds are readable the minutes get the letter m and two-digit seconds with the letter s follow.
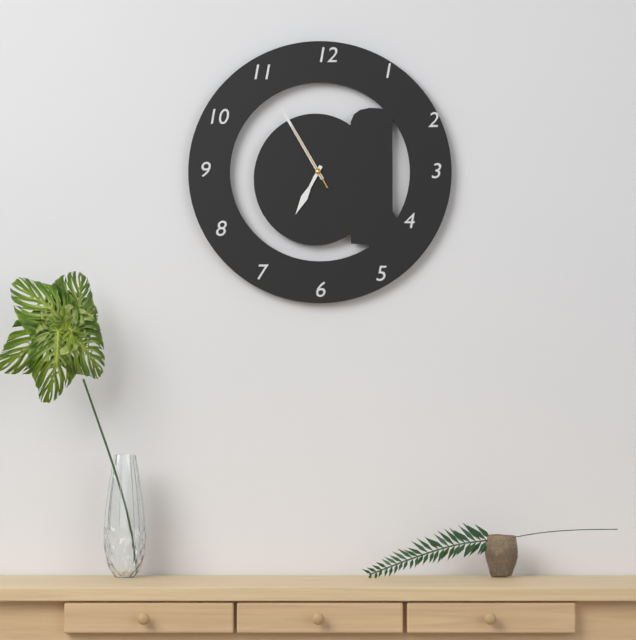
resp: 6h55m55s
